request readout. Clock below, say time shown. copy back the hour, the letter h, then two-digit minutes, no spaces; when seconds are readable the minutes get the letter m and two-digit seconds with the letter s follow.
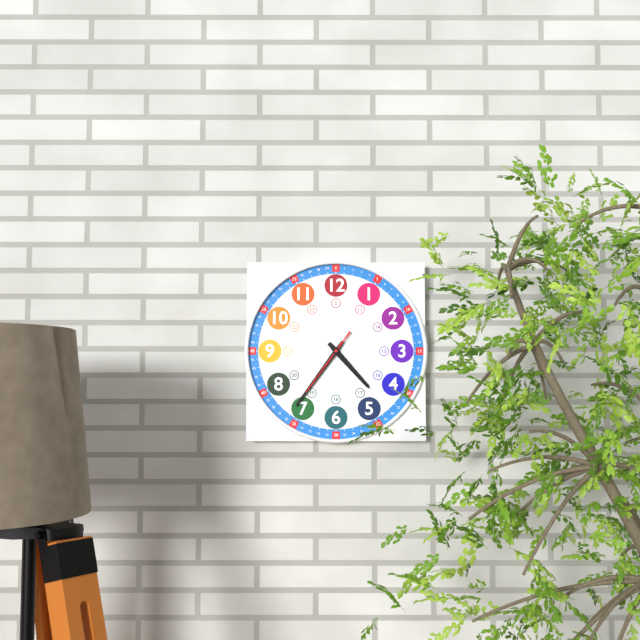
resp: 4h36m36s
